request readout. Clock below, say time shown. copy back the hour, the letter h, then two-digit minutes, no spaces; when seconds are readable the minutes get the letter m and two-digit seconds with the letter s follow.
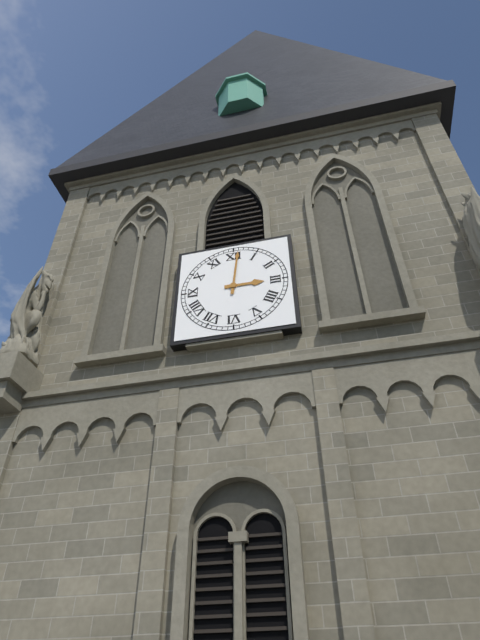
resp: 3h01
